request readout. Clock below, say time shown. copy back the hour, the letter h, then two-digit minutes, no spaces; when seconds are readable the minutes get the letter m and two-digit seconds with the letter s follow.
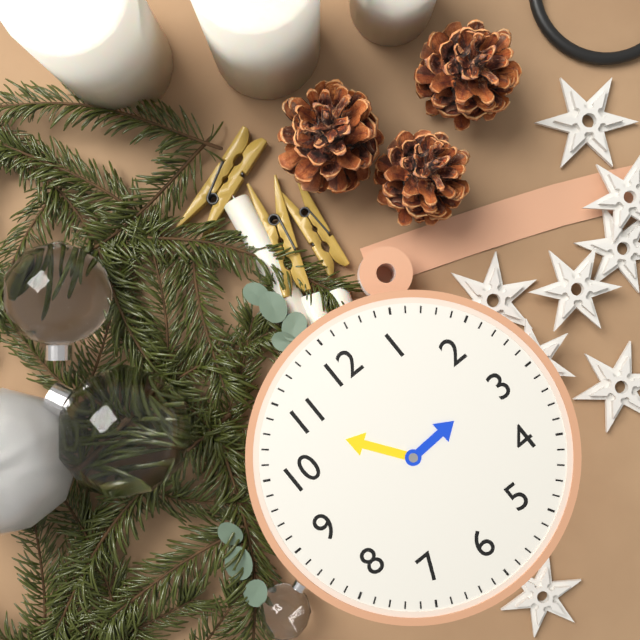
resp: 2h54
